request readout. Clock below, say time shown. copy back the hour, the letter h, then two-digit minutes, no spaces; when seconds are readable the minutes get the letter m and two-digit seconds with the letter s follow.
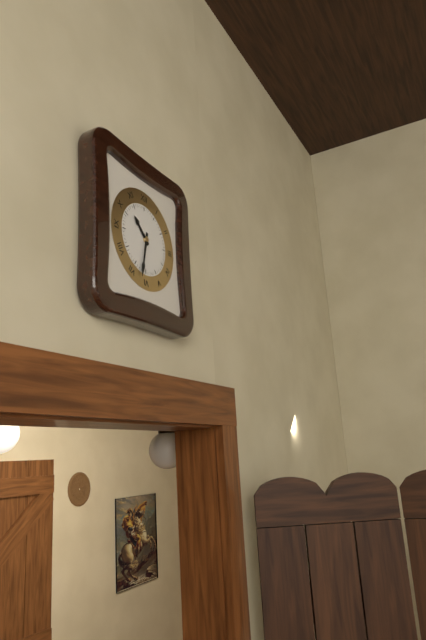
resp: 10h32
